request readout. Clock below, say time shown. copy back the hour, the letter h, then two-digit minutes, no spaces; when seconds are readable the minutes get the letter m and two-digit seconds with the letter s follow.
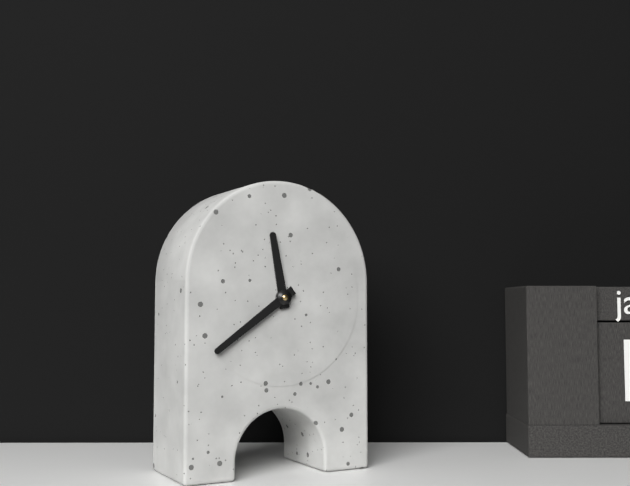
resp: 11h39
